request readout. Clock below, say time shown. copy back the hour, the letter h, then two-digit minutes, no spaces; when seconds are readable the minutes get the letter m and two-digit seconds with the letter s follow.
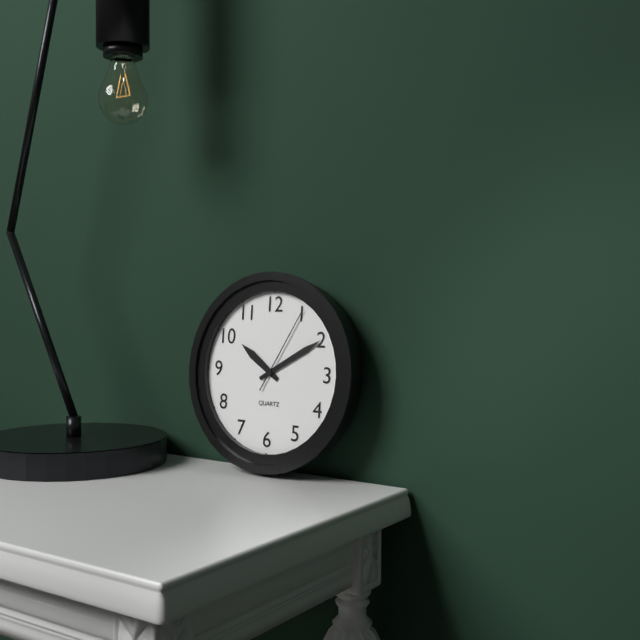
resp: 10h10m05s
